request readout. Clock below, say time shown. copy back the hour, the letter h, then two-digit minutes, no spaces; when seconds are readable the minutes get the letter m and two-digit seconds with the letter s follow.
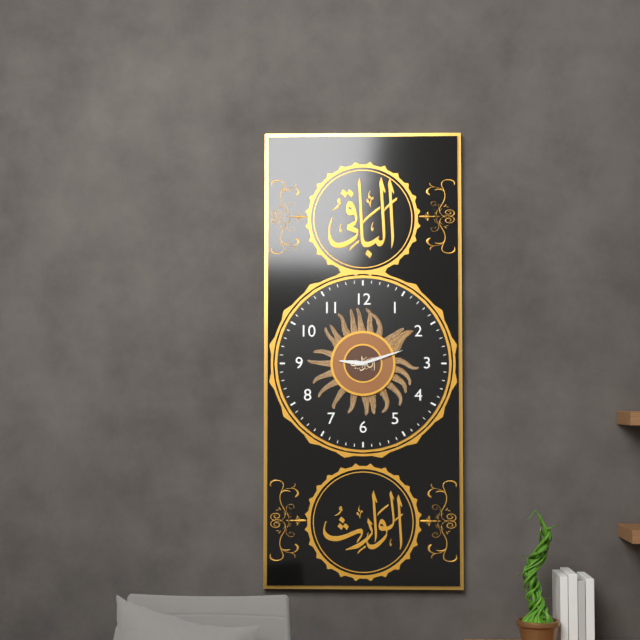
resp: 9h12
